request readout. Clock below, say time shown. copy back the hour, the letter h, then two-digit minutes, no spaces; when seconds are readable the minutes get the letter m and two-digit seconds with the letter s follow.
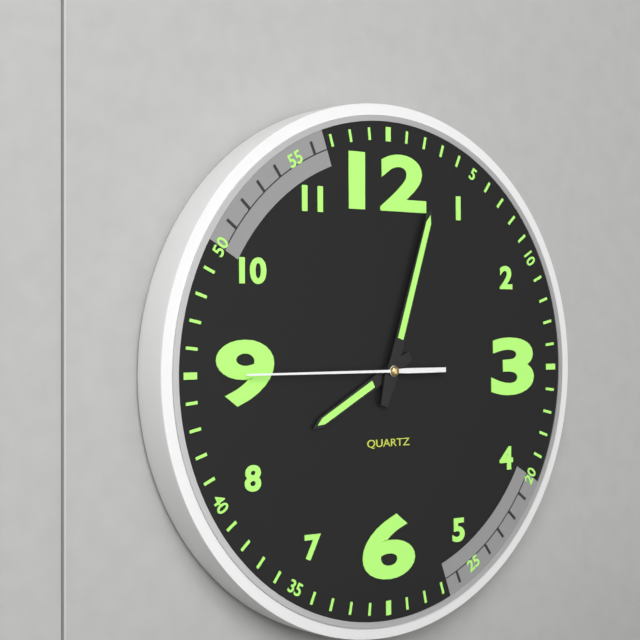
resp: 8h03m45s
